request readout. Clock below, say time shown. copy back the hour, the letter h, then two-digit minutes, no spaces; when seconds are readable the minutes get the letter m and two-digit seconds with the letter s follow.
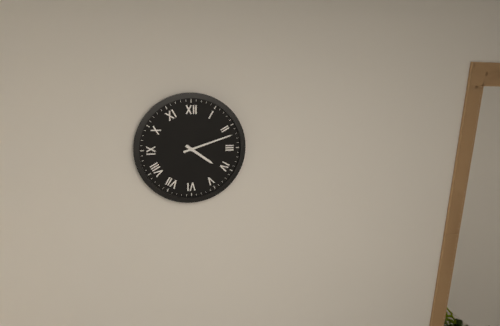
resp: 4h12
